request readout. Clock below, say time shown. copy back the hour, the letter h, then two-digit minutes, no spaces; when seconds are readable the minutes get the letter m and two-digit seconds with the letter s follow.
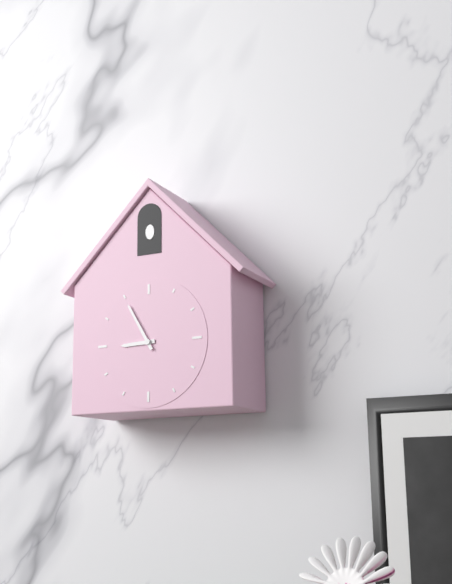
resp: 8h55
